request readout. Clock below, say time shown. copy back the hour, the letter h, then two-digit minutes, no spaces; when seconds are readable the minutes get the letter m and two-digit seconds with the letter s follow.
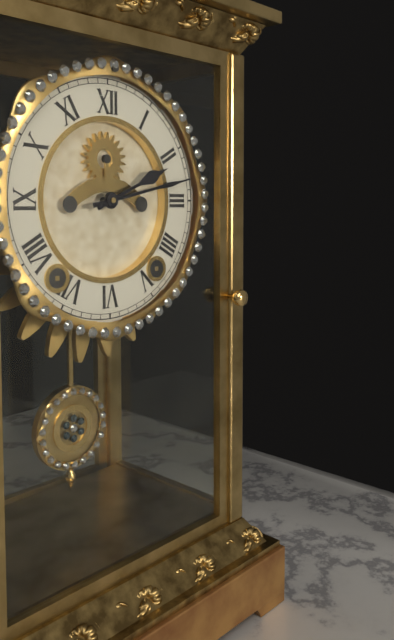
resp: 2h13
